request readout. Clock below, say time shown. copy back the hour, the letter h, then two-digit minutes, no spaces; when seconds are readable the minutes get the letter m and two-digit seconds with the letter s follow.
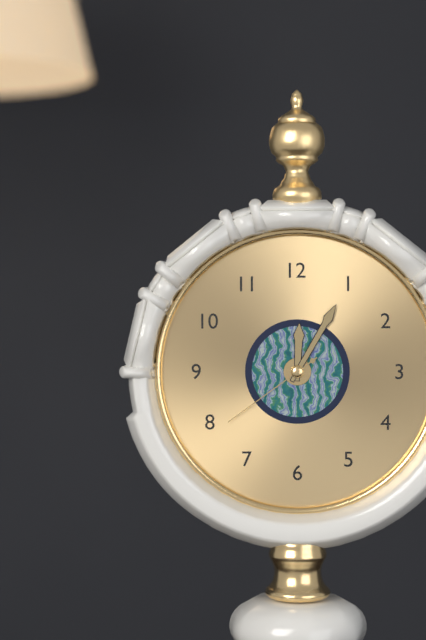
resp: 12h05m39s
